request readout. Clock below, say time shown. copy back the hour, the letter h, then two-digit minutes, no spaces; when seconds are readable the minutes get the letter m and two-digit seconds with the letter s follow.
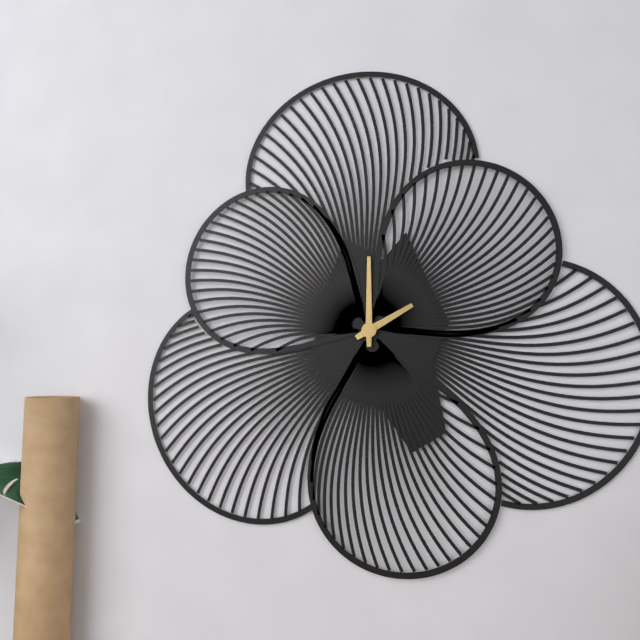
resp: 2h00
